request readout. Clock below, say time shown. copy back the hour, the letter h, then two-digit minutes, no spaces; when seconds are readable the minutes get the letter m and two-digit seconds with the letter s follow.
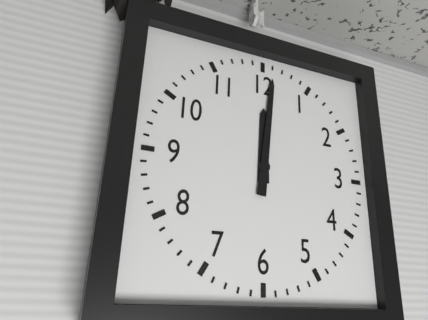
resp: 12h01
